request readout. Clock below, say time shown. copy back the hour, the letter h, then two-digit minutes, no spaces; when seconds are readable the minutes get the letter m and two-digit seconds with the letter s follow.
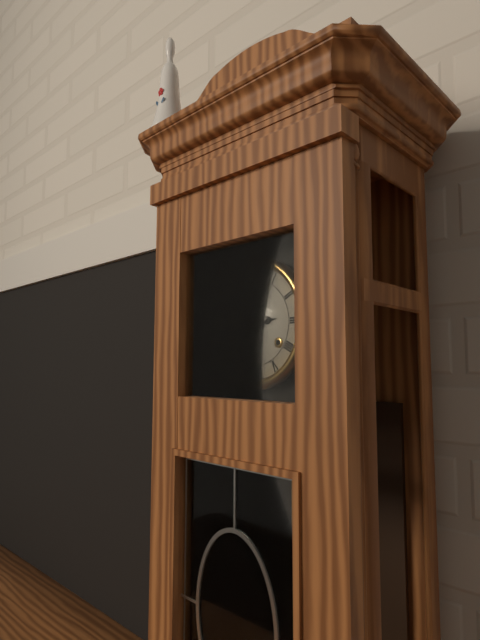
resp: 2h47
